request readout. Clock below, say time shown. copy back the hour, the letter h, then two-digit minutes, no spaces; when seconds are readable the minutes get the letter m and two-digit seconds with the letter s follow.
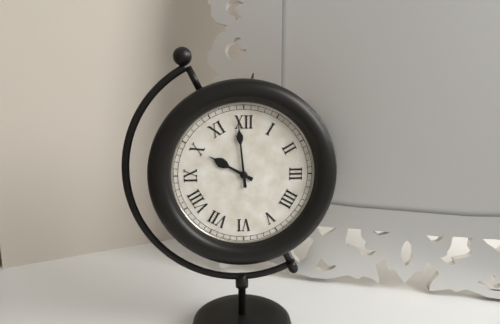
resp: 9h59
